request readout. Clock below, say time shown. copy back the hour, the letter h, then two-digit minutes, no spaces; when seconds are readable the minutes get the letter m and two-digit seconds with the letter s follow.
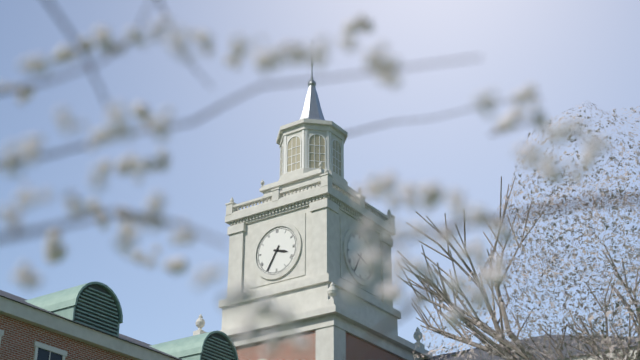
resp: 3h35
